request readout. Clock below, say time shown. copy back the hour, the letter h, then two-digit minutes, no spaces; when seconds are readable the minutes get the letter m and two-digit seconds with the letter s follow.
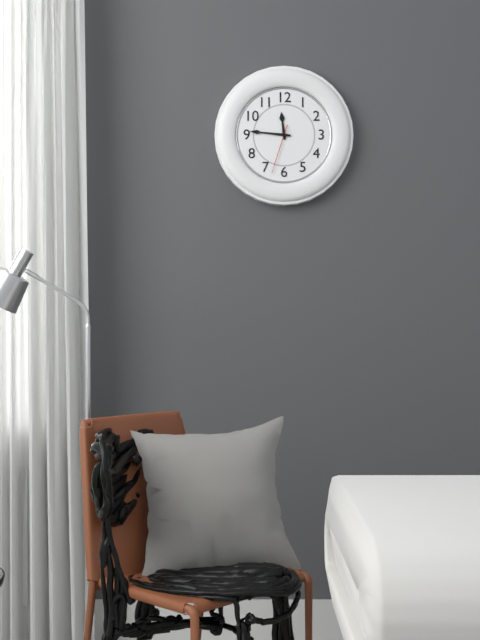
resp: 11h46
